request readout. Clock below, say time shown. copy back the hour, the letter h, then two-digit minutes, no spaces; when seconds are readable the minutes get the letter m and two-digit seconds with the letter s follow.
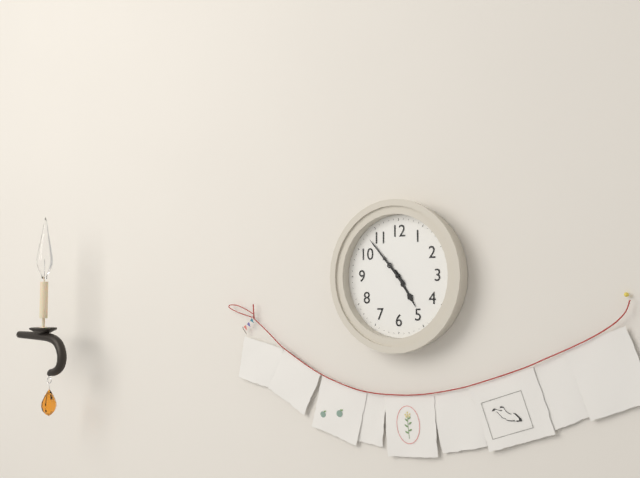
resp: 4h53
